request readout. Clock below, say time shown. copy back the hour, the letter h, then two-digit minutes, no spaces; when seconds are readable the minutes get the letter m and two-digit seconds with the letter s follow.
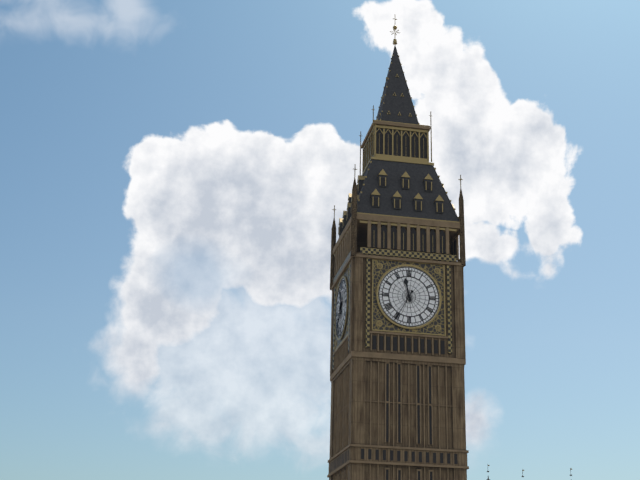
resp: 11h35
